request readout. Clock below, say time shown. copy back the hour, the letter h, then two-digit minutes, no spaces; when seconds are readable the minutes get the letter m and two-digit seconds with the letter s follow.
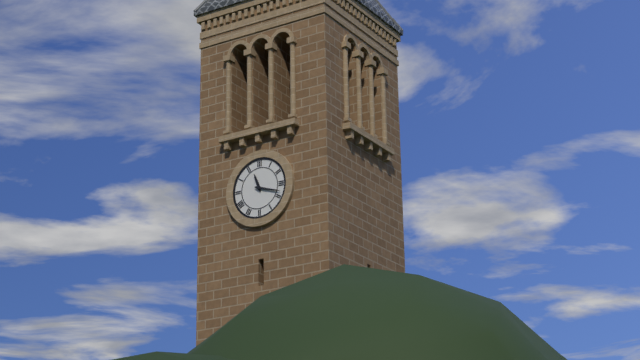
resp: 11h18
